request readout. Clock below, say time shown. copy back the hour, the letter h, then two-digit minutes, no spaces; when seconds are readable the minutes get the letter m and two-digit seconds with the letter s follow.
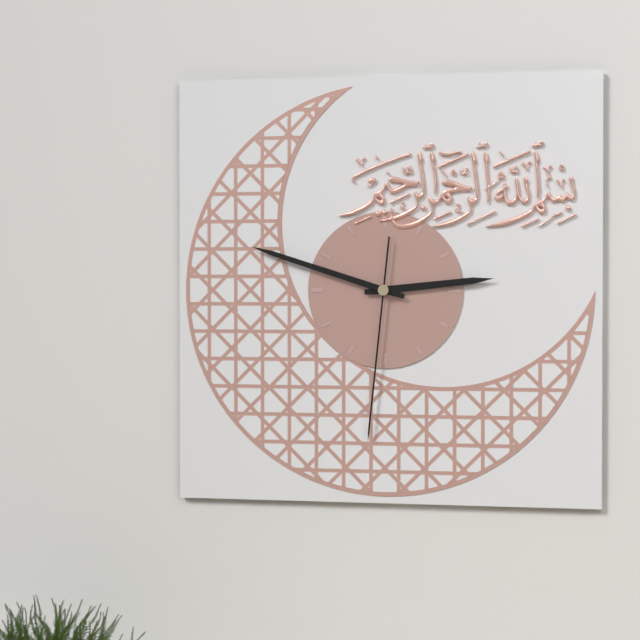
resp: 2h48m31s
